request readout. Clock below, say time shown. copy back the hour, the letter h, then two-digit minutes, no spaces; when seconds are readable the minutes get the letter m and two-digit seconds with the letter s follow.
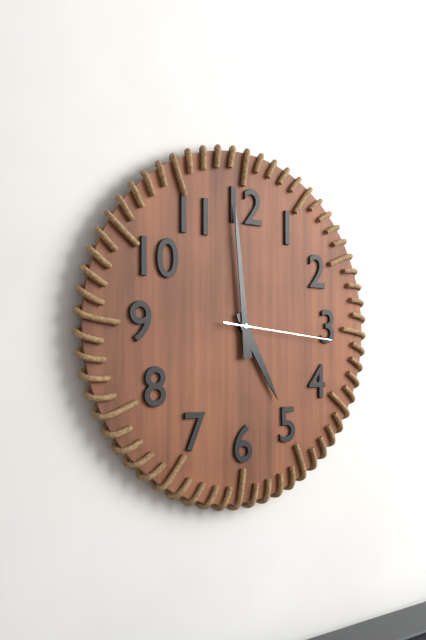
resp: 4h59m16s
